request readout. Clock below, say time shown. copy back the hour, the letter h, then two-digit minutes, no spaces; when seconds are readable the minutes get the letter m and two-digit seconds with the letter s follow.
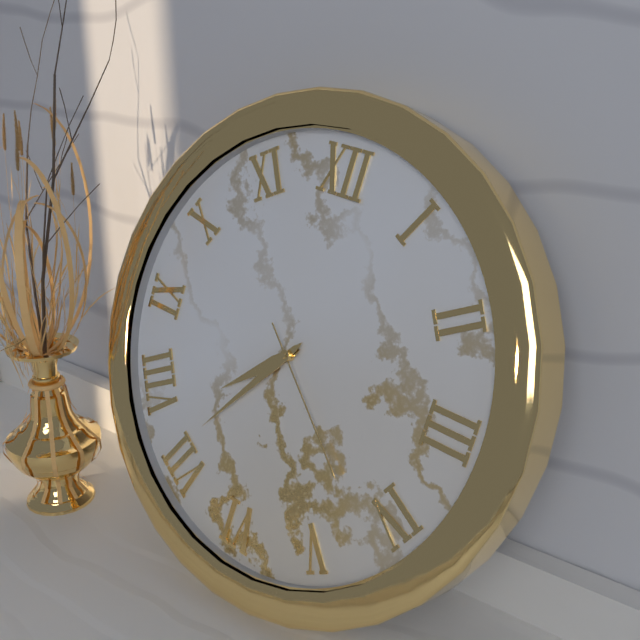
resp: 7h36m22s
